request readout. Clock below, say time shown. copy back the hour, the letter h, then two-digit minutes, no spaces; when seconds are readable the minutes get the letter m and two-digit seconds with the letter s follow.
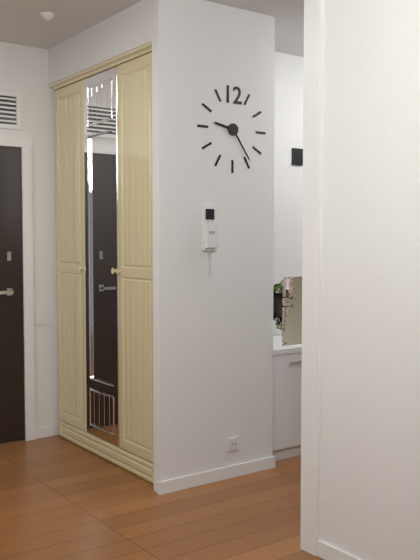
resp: 9h24
